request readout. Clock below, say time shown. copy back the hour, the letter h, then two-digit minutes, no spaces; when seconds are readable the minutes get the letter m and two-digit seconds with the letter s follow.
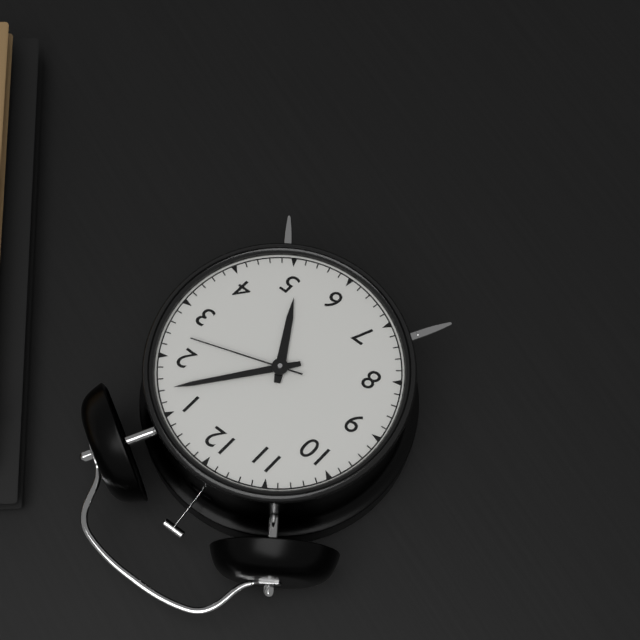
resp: 5h07m12s
